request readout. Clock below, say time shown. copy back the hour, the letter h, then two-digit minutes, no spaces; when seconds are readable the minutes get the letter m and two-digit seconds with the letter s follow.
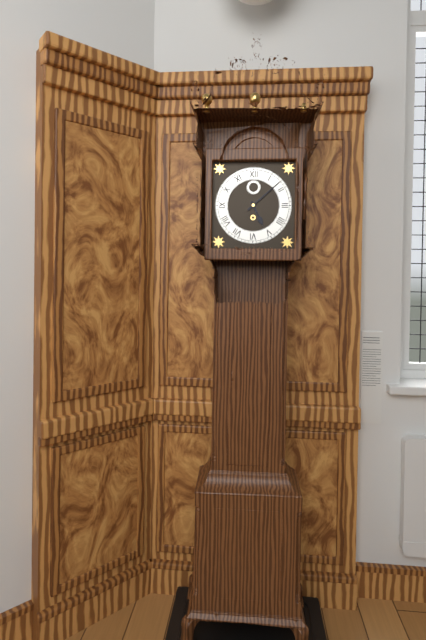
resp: 5h08
